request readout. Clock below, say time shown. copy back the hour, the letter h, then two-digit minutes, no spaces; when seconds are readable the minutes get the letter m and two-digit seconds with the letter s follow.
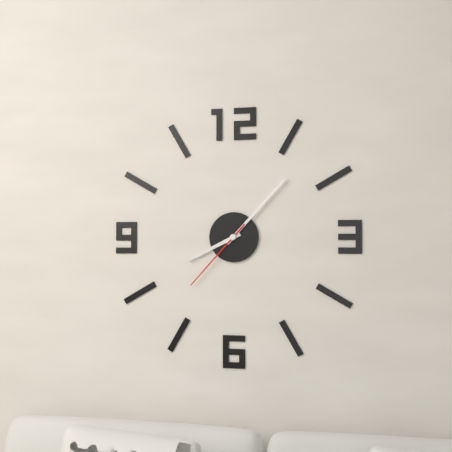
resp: 8h07m37s
